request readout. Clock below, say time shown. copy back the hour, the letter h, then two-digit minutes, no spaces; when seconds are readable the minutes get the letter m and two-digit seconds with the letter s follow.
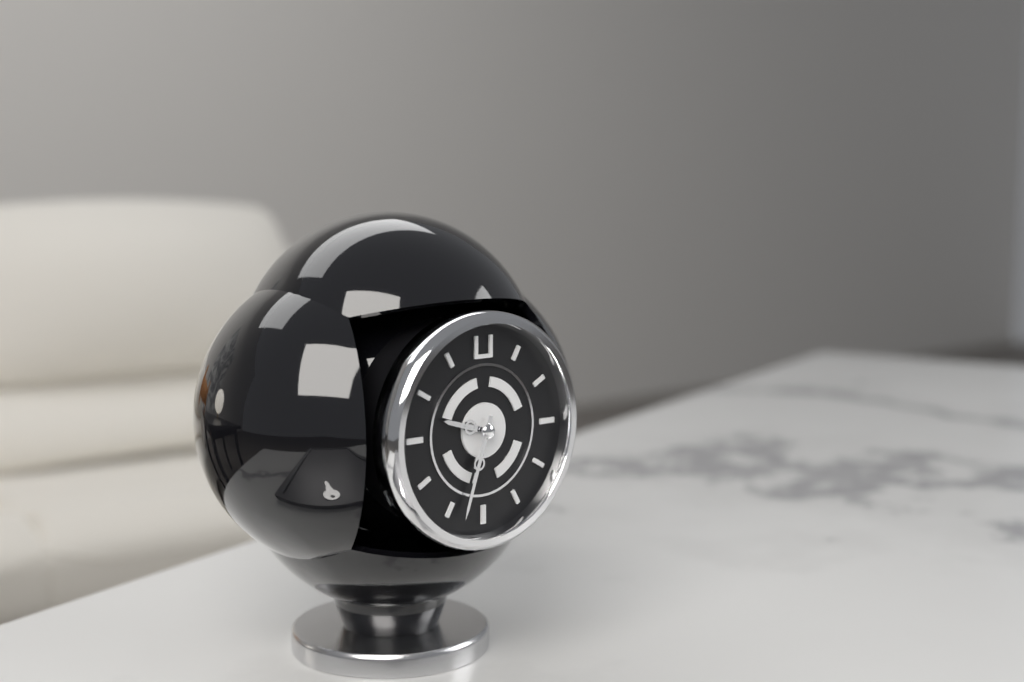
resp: 9h33
